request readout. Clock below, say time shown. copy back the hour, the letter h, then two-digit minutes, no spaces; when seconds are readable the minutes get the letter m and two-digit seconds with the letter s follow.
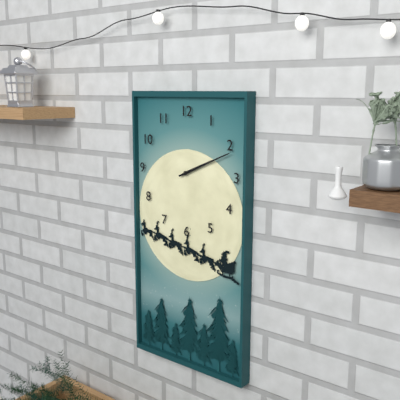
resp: 2h11
